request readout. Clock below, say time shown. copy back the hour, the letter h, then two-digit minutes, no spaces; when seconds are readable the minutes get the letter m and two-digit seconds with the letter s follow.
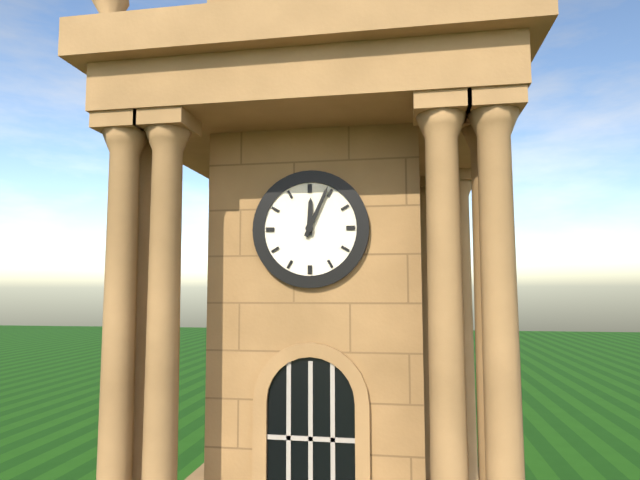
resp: 12h04
